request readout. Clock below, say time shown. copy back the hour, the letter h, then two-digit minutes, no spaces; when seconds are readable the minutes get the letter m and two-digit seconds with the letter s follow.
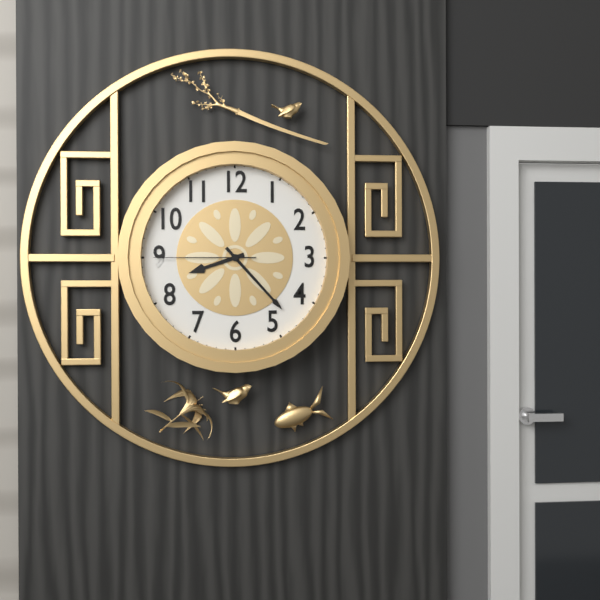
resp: 8h23m45s
